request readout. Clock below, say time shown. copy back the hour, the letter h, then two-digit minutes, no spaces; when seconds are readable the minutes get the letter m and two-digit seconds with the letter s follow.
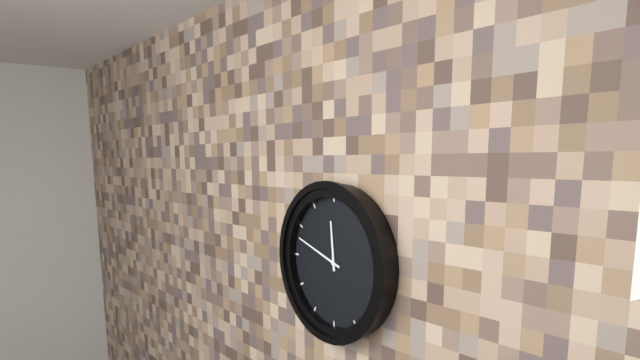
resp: 11h48
